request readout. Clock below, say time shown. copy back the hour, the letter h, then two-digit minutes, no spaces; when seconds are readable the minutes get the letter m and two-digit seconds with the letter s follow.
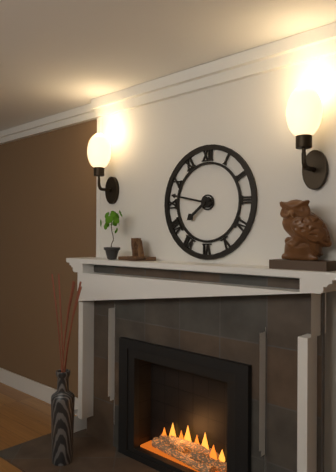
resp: 7h47
